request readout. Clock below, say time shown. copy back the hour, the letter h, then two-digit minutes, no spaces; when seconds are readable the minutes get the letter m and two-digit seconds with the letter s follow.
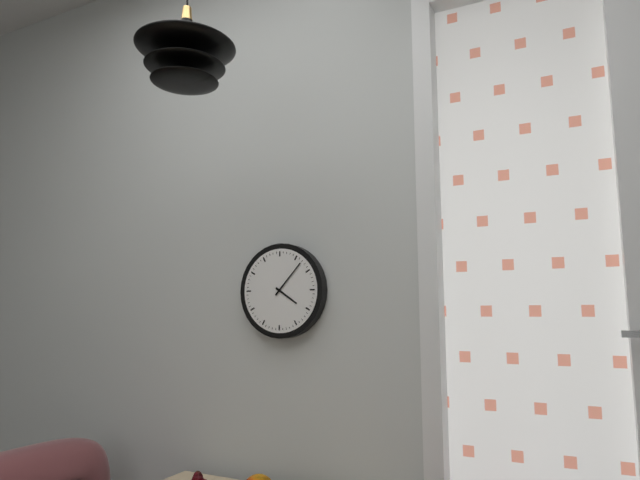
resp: 4h07
